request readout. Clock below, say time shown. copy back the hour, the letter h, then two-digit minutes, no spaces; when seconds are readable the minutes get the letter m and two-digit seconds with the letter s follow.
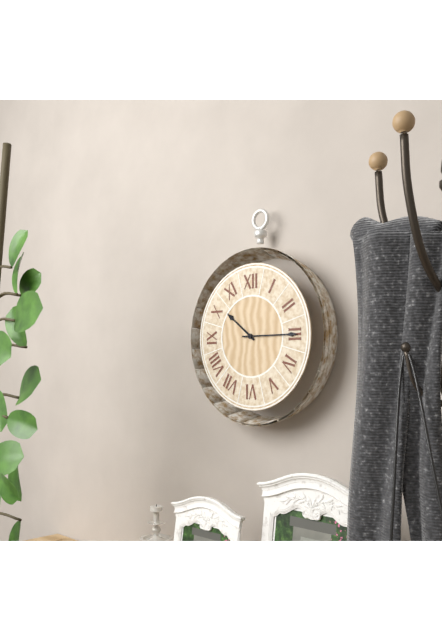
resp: 10h15
